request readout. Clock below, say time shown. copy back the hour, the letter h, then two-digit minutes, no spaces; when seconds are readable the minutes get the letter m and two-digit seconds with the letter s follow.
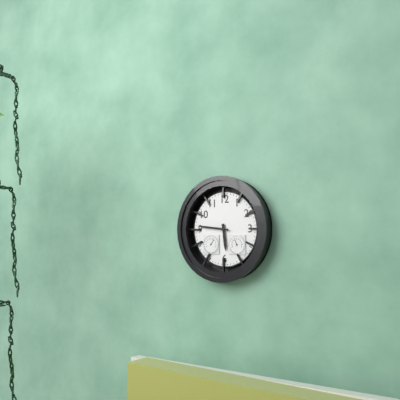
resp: 5h46
